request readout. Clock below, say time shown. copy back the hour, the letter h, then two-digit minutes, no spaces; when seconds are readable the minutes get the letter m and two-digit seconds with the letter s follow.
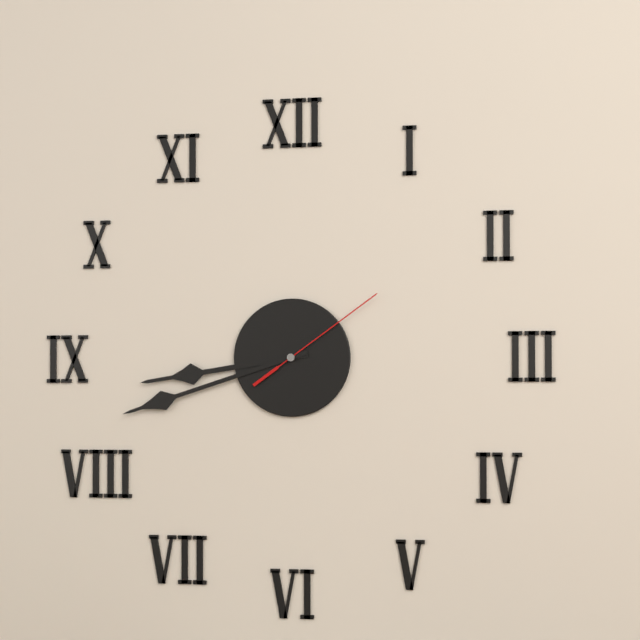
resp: 8h42m09s
